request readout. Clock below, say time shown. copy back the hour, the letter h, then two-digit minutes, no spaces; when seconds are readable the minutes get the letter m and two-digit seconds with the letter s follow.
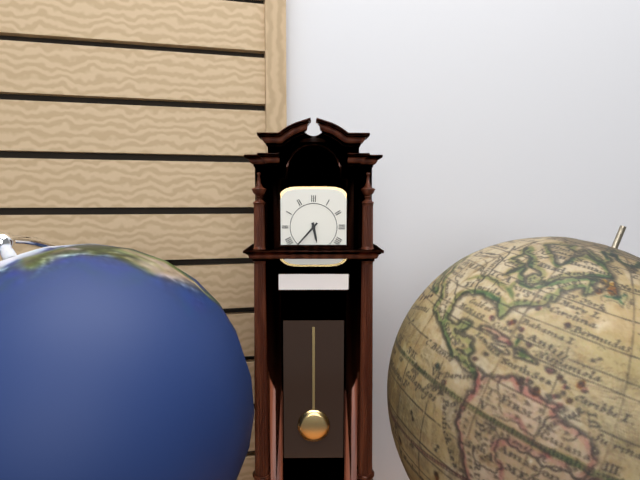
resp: 5h37
